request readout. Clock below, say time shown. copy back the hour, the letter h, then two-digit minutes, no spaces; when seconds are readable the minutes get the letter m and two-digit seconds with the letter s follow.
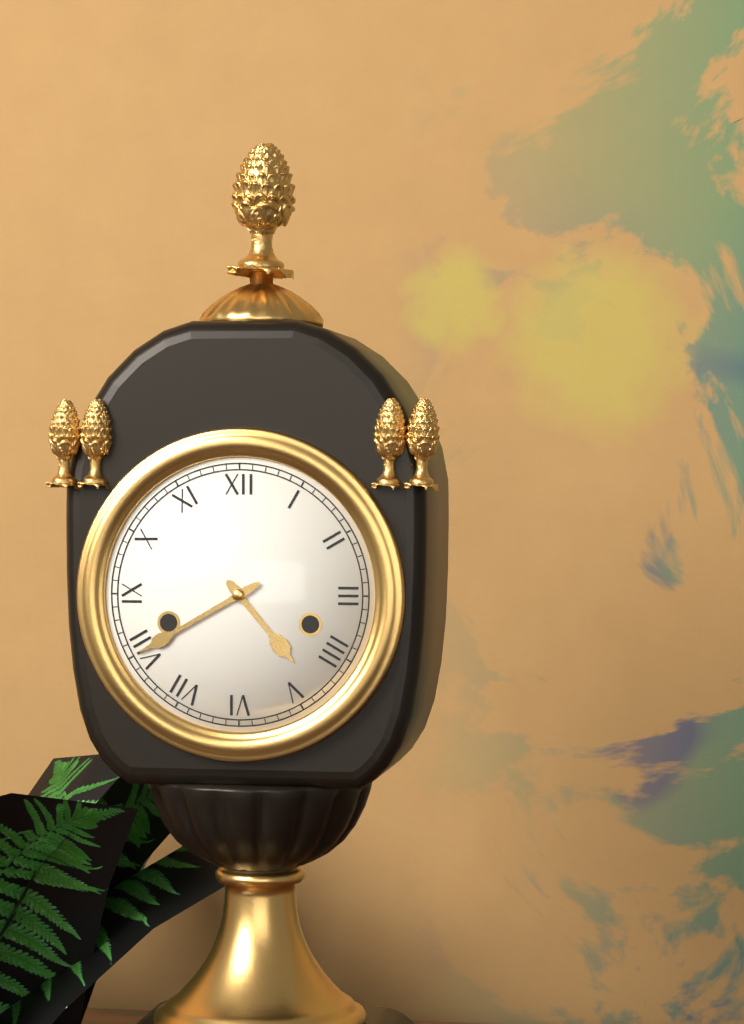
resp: 4h40
